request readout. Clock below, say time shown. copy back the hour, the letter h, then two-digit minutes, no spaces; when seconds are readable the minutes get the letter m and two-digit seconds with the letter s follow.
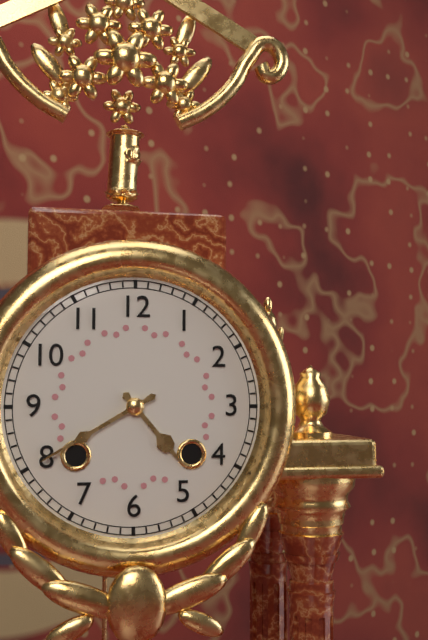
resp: 4h40
